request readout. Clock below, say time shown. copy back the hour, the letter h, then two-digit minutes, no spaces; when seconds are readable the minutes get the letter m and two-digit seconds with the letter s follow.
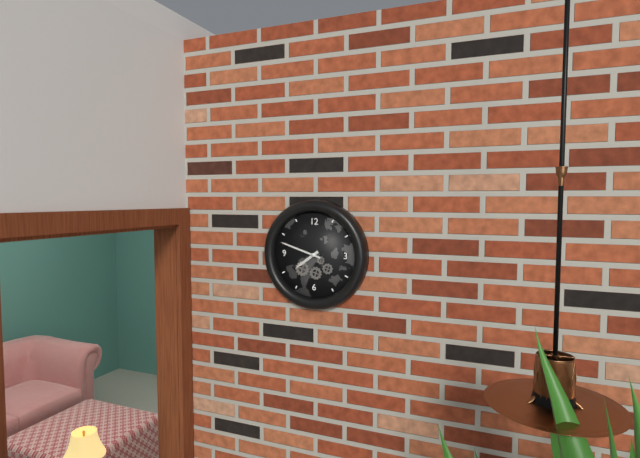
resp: 7h48
